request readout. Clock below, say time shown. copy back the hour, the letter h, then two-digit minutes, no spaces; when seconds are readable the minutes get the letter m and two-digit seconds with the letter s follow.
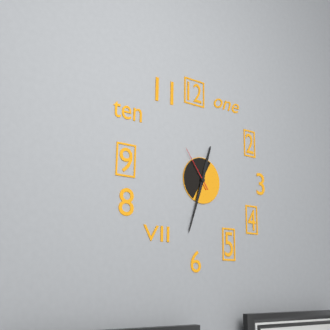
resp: 12h33
